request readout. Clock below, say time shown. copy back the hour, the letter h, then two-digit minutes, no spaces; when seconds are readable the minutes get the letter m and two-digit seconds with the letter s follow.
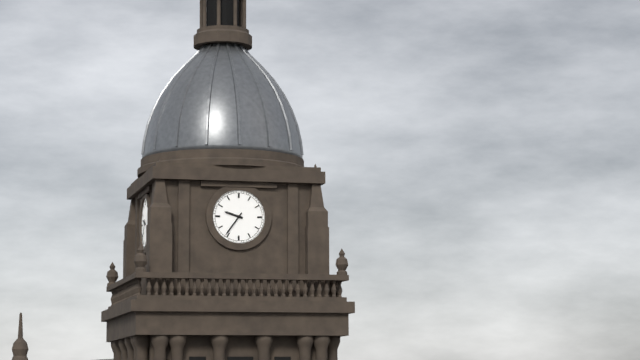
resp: 9h36
